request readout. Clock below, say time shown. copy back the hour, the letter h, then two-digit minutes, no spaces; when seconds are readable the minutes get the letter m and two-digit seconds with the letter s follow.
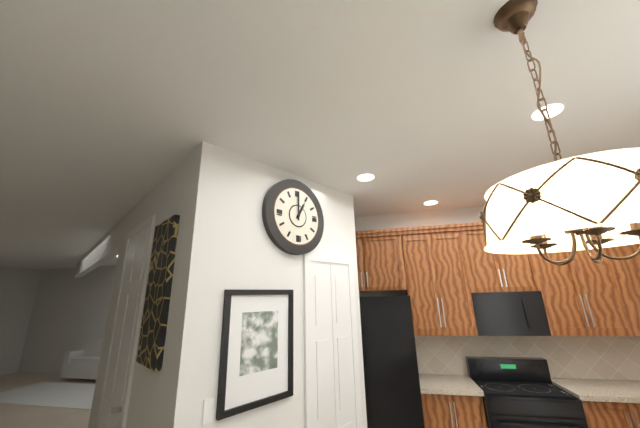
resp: 1h00
